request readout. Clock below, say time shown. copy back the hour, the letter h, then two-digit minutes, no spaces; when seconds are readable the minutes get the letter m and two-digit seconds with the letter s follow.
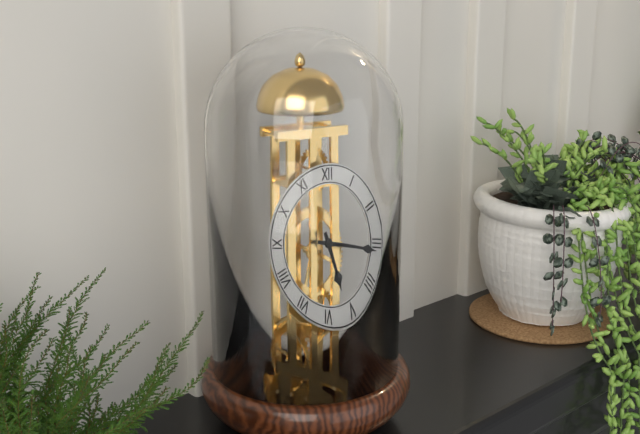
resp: 5h16
